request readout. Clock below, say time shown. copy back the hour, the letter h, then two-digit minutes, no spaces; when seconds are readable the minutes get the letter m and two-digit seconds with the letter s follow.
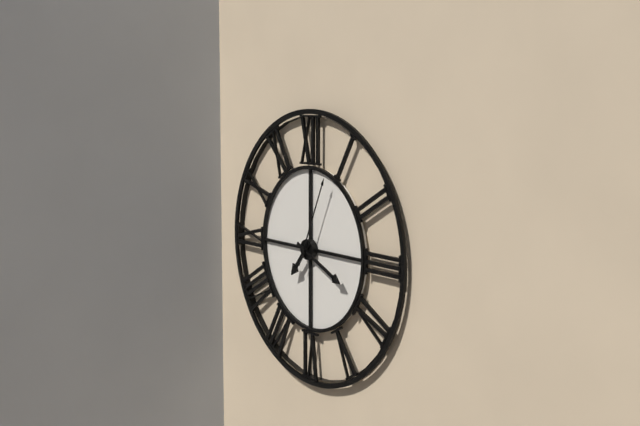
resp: 7h19m04s
